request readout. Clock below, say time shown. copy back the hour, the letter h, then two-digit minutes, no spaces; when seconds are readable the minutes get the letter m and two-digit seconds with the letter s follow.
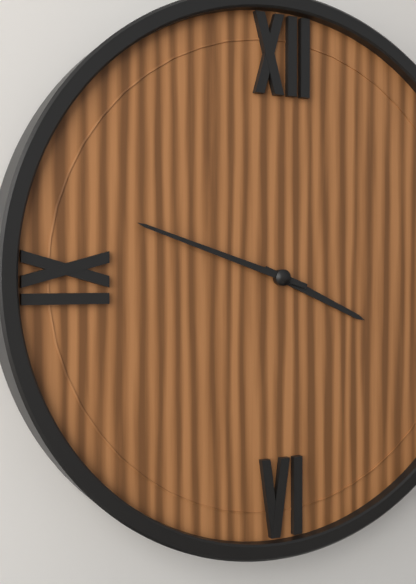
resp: 3h48
